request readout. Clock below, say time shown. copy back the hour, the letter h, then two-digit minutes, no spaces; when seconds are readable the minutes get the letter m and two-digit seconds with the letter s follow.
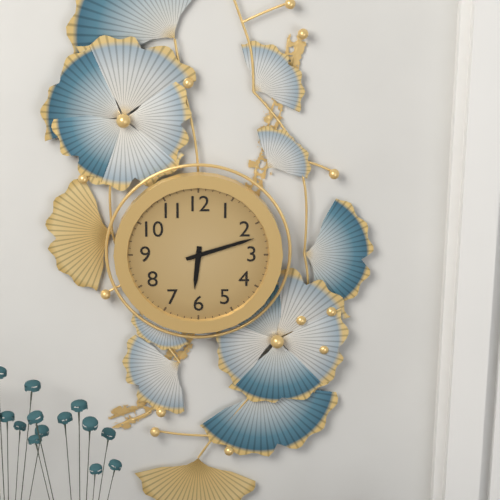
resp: 6h12
